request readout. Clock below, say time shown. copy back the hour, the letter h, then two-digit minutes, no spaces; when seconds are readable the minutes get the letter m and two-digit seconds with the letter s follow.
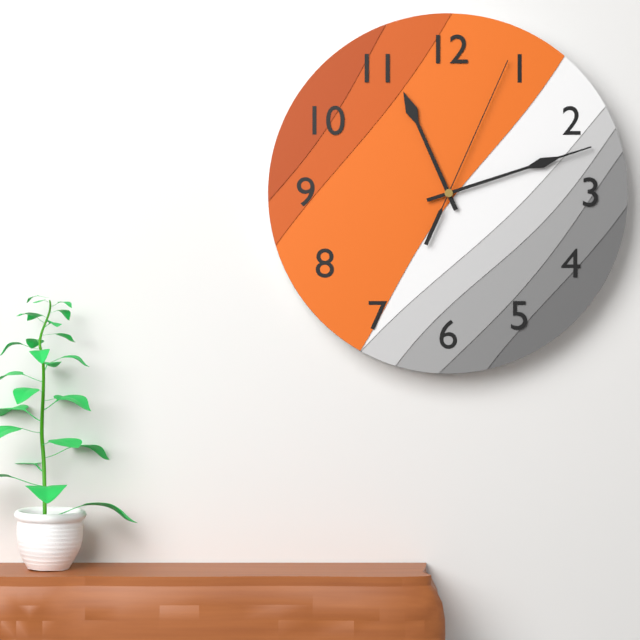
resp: 11h12m04s
